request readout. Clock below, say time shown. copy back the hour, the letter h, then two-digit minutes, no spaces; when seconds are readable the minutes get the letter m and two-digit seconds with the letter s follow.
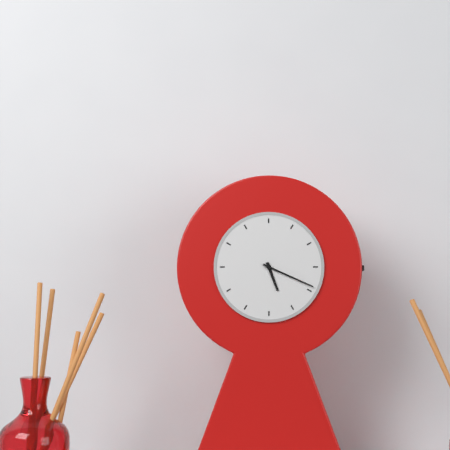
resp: 5h19
